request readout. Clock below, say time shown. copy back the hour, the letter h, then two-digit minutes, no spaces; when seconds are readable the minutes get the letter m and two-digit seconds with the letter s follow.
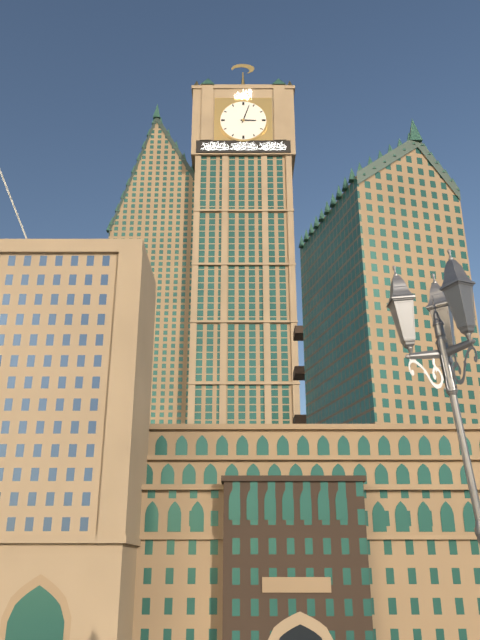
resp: 3h03
